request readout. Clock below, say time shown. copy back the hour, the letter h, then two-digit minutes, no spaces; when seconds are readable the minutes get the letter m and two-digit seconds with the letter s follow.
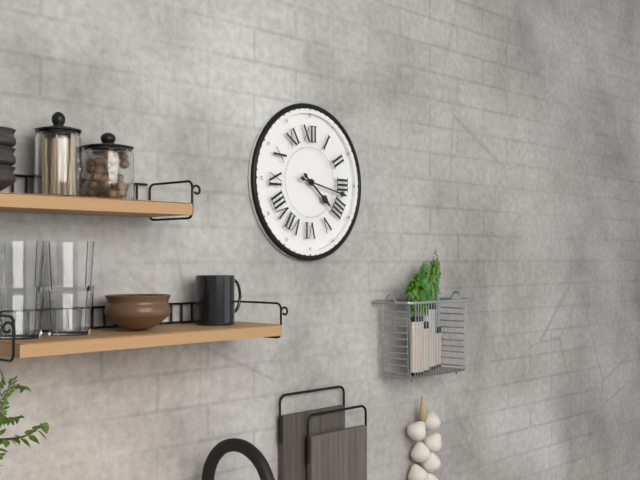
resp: 4h17
